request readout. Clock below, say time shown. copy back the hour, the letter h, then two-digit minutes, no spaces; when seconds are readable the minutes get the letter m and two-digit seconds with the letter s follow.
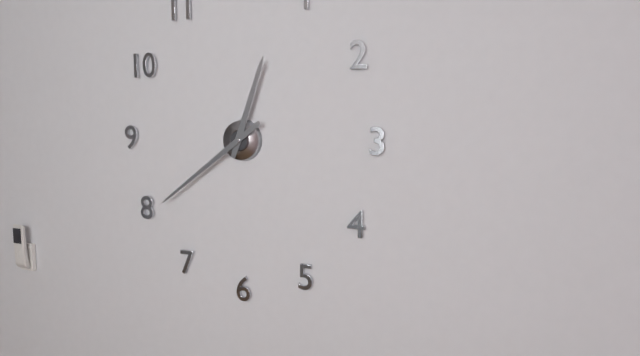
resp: 12h39
